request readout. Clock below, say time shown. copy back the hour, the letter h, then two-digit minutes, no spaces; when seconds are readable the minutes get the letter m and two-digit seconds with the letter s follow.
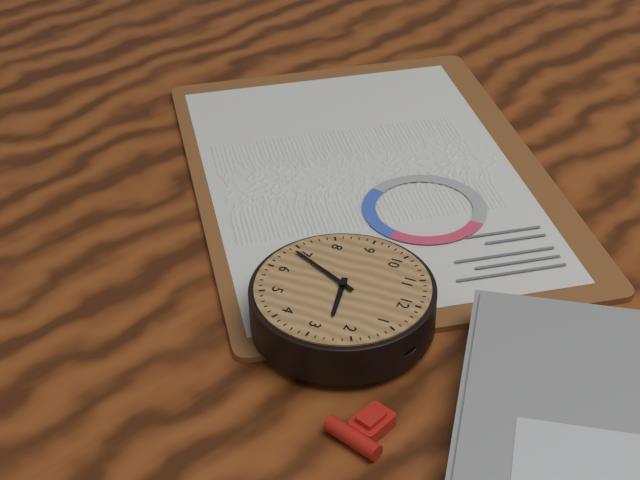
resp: 2h34
